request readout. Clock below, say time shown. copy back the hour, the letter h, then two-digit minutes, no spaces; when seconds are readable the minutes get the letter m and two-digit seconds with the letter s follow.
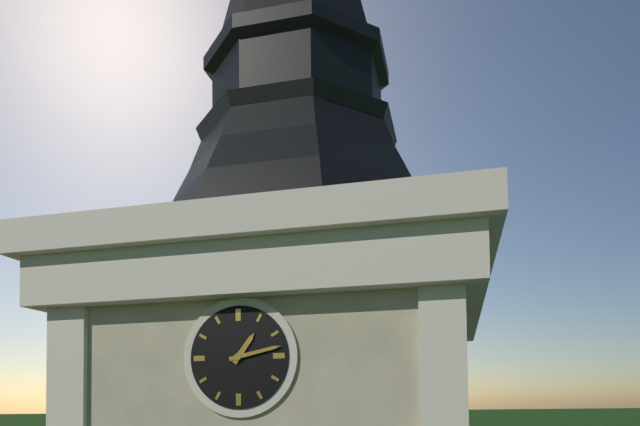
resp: 1h13
